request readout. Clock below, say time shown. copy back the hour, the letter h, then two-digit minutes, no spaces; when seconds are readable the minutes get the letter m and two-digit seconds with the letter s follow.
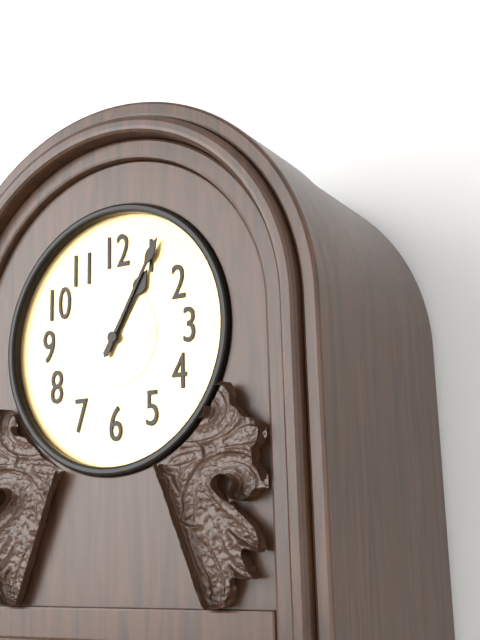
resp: 1h05
